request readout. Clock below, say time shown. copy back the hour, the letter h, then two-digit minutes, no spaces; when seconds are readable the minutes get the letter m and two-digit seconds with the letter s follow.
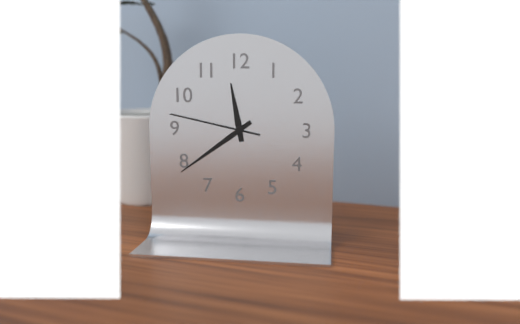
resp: 11h39m47s
